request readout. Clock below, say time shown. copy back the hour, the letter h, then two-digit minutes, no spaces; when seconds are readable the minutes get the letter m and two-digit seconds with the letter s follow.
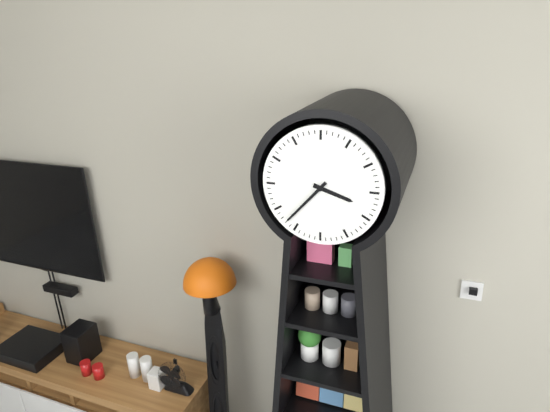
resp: 3h37
